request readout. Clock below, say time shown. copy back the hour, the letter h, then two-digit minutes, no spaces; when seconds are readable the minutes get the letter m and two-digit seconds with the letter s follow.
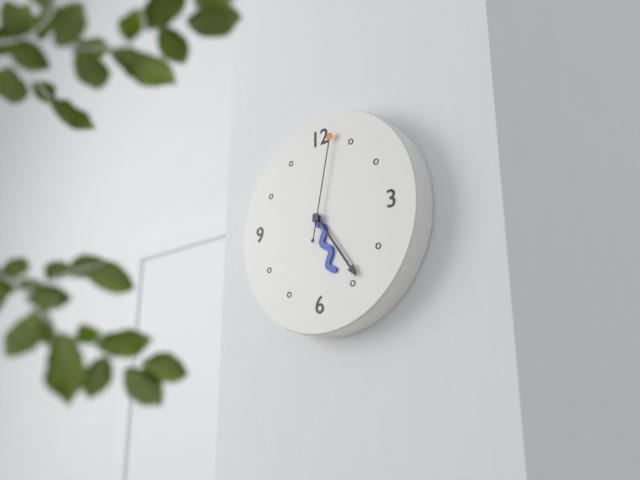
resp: 5h24m02s
